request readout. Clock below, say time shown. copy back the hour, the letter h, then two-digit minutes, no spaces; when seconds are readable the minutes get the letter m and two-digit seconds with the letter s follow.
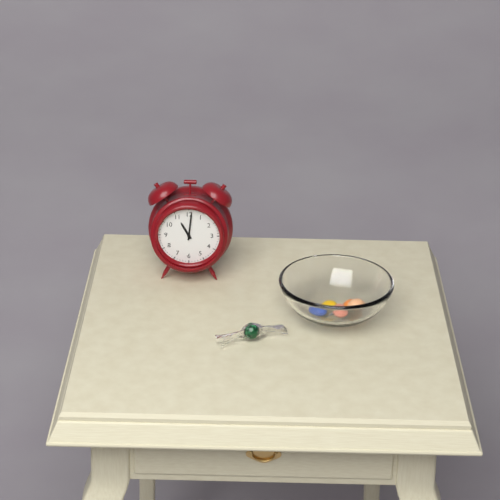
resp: 11h01
